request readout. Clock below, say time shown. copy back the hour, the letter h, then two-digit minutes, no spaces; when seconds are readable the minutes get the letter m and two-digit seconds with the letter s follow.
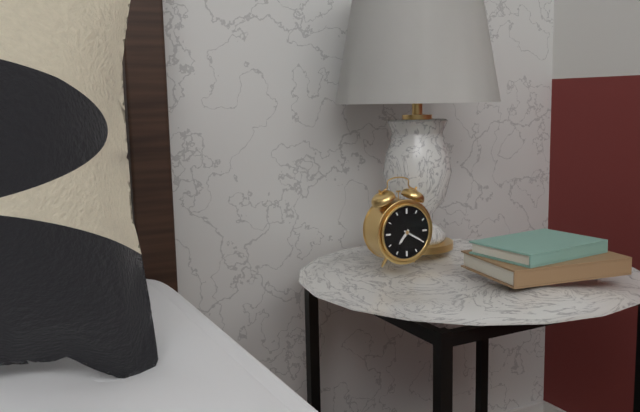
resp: 7h20
